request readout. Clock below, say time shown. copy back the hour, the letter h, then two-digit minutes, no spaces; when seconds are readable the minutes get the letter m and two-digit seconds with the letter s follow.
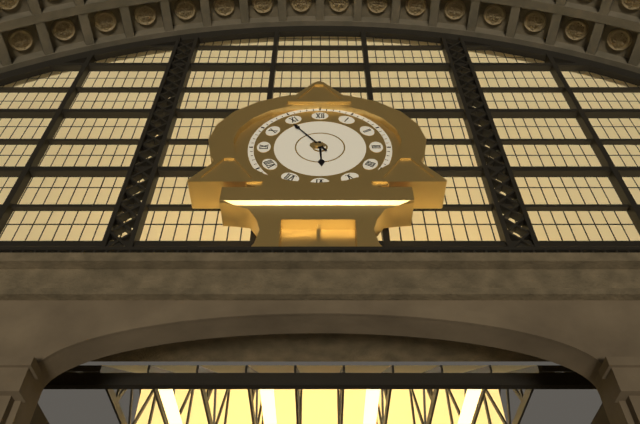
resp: 5h54
